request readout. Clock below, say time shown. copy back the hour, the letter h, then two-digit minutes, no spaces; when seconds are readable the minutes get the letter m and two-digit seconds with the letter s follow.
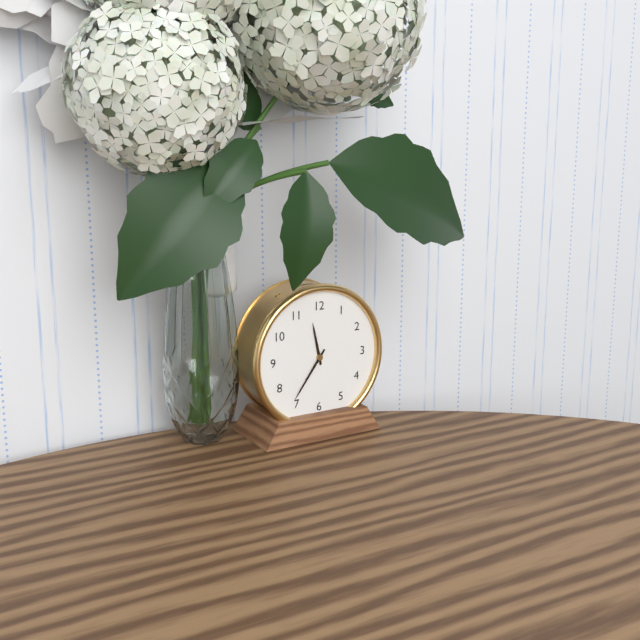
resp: 11h36
